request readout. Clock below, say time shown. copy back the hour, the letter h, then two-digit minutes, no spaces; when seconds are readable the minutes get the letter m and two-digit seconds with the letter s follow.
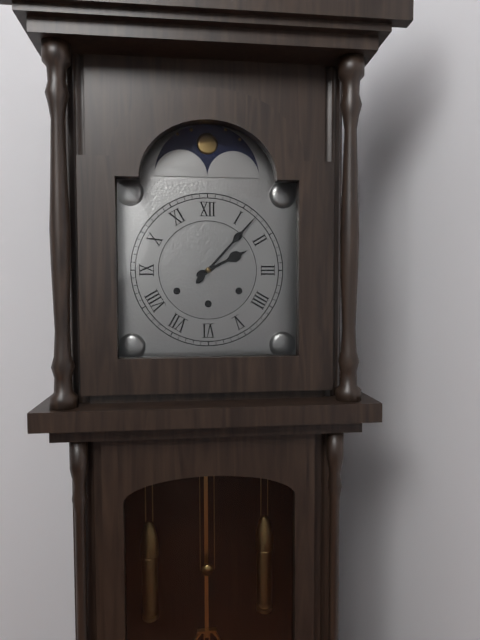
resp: 2h07
